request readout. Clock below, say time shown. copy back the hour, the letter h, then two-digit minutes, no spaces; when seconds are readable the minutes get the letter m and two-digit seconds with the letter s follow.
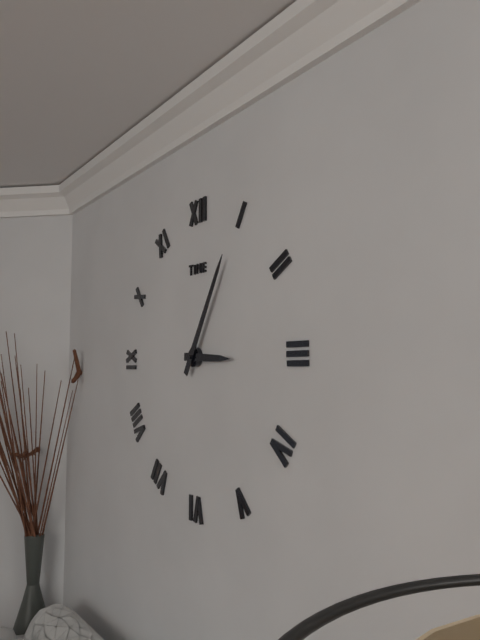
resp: 3h05
